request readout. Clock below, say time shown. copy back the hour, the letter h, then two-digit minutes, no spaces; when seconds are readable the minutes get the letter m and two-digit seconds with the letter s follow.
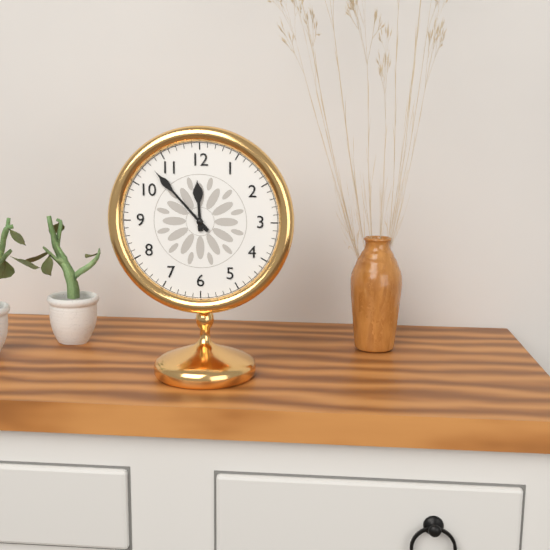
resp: 11h53
